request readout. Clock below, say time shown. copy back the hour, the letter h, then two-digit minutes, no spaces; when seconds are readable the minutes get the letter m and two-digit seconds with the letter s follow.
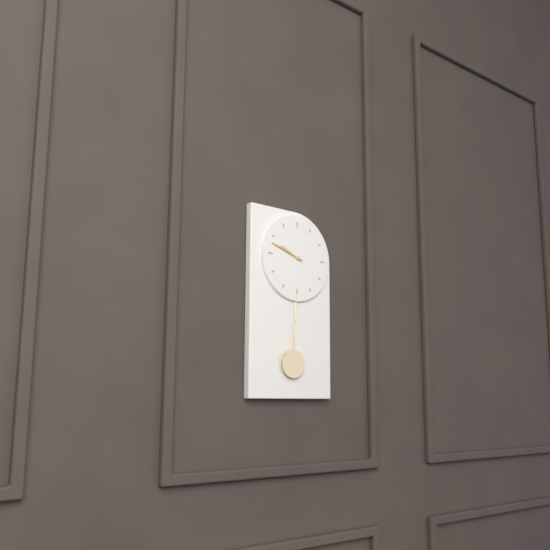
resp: 9h48
